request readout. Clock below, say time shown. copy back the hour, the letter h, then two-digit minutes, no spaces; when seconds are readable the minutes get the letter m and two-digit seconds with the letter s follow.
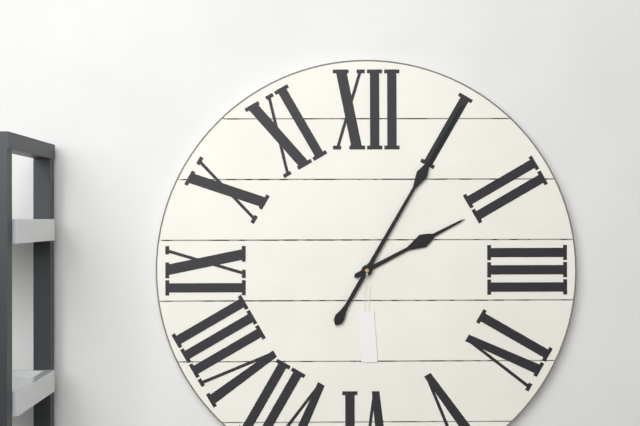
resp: 2h05
